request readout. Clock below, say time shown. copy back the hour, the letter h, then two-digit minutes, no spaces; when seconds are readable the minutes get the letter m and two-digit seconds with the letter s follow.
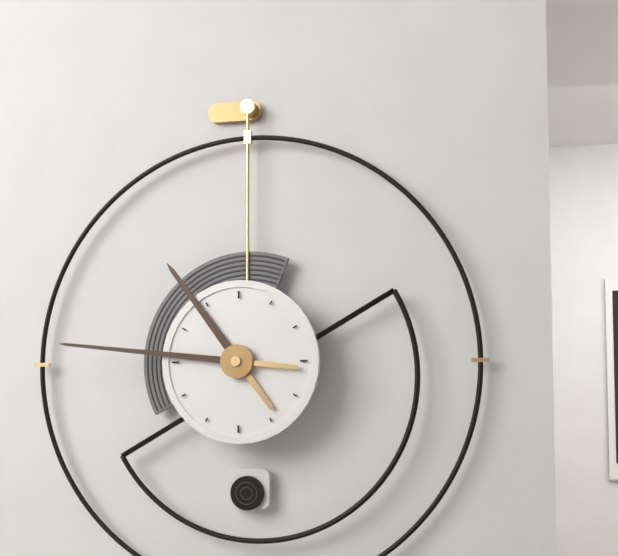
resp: 10h46
